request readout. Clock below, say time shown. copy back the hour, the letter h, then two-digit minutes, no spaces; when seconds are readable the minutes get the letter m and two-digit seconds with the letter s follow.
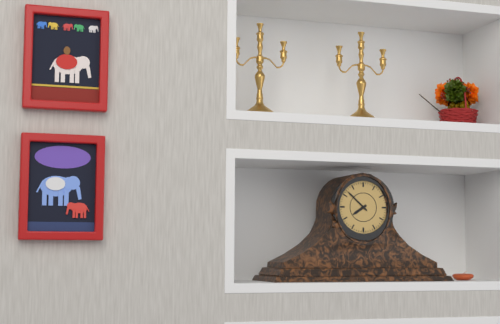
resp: 7h52
